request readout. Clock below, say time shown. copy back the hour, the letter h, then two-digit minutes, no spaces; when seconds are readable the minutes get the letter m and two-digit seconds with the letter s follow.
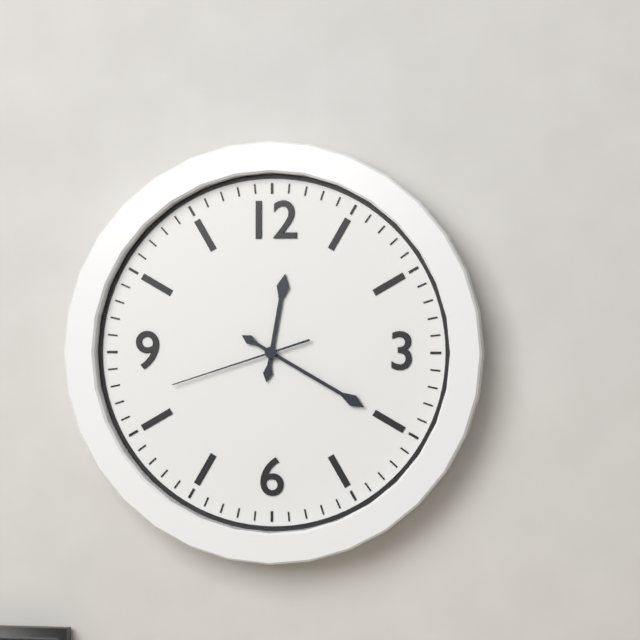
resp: 12h20m42s
